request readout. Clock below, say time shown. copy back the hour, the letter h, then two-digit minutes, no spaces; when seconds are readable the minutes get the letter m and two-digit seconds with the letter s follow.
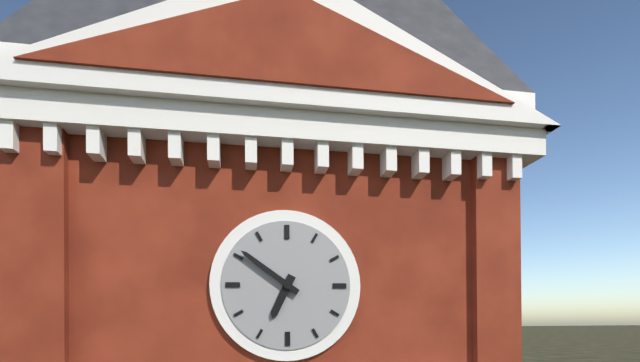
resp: 6h51
